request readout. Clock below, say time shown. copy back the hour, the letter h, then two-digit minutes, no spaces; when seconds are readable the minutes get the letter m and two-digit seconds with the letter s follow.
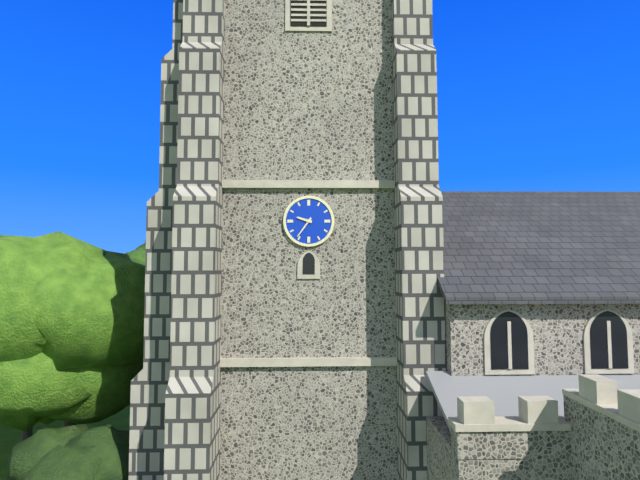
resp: 9h36
